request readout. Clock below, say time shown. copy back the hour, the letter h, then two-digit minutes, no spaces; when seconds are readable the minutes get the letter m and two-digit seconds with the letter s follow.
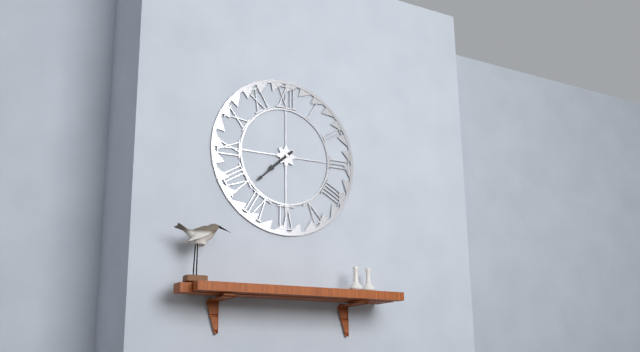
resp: 7h38
